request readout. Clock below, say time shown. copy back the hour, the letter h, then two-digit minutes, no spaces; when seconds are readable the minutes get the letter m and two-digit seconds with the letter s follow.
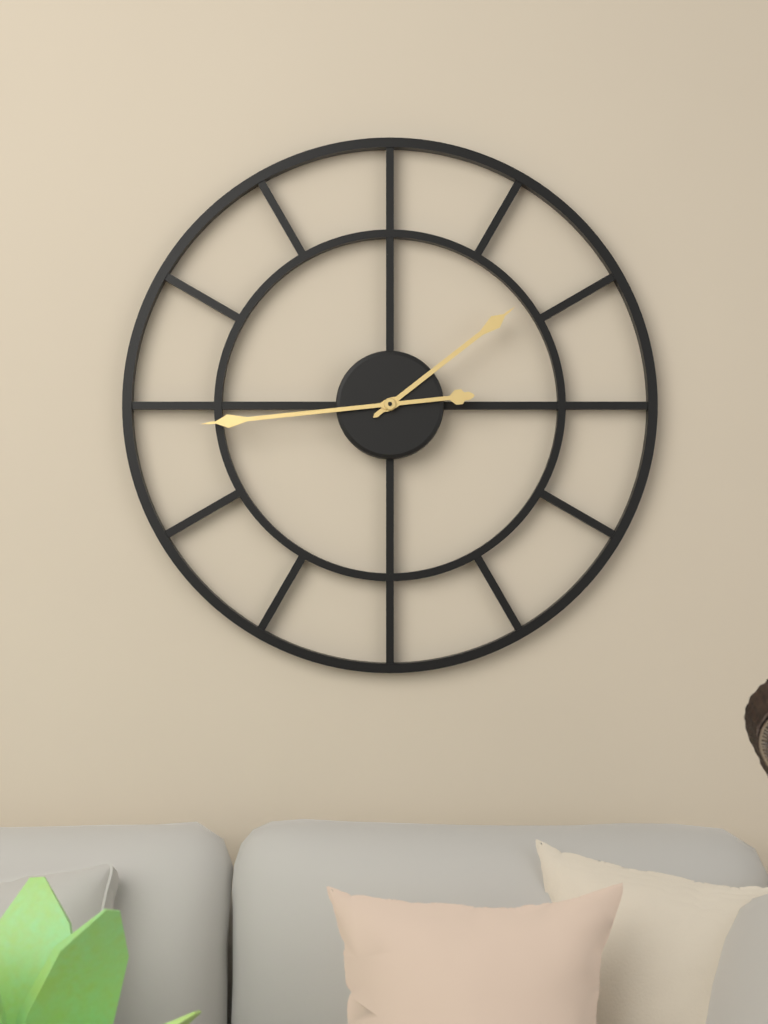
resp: 1h44
